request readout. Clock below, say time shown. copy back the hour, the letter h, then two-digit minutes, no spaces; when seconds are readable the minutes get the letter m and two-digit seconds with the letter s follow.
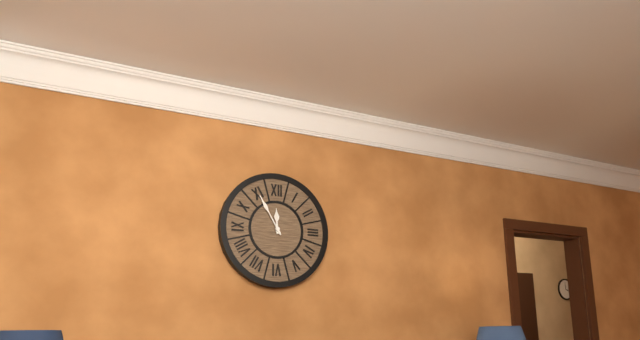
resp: 11h55
